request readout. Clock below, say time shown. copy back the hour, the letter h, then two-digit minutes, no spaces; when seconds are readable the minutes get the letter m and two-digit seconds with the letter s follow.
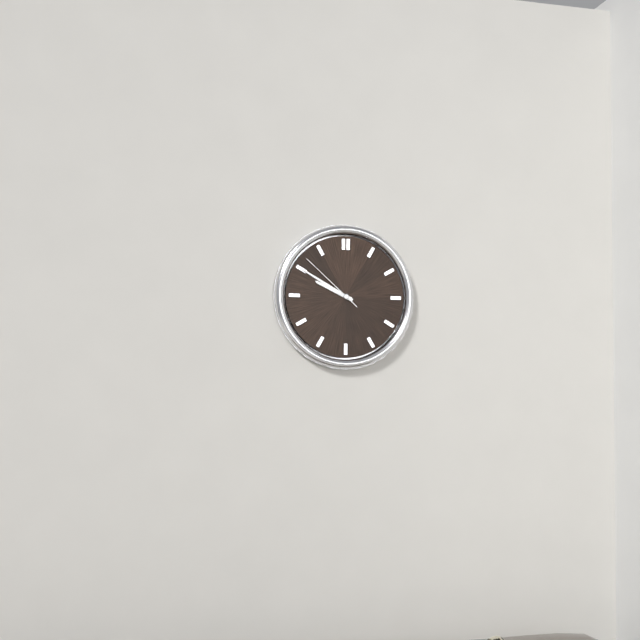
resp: 9h50m52s
